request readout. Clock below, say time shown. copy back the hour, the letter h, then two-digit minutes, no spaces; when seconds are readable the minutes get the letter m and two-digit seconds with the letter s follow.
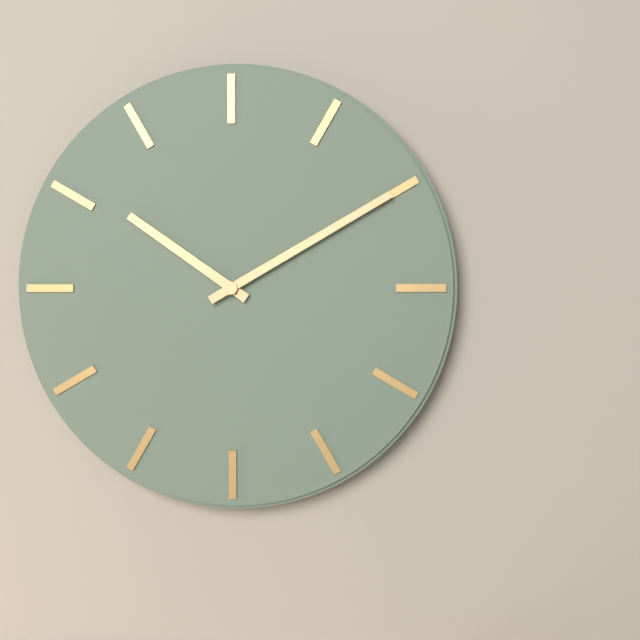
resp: 10h10
